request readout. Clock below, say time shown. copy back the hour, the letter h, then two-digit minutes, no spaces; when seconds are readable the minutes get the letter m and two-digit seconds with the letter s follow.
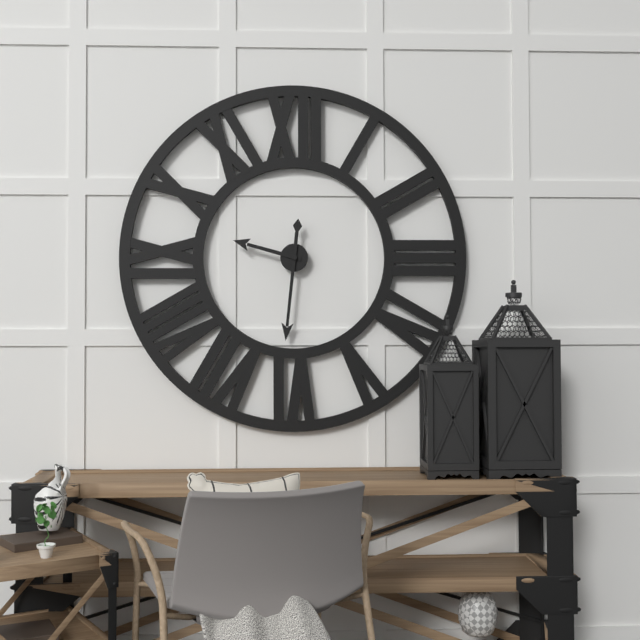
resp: 9h31
